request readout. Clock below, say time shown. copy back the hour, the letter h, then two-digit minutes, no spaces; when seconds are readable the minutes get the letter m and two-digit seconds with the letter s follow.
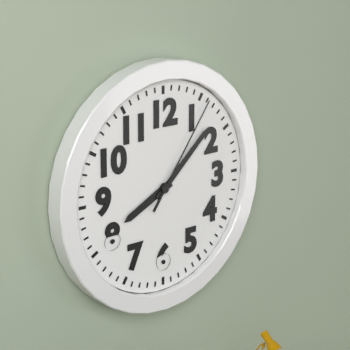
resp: 8h08m06s
